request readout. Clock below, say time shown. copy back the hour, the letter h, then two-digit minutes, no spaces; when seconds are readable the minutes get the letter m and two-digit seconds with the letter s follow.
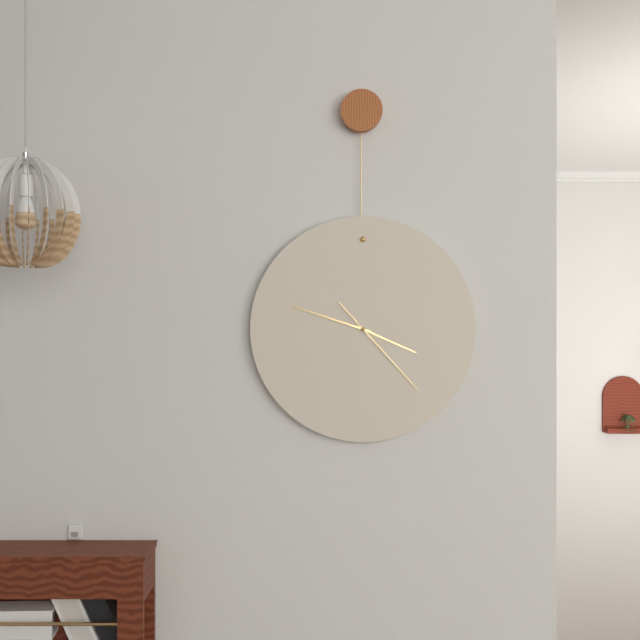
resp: 3h48m23s
